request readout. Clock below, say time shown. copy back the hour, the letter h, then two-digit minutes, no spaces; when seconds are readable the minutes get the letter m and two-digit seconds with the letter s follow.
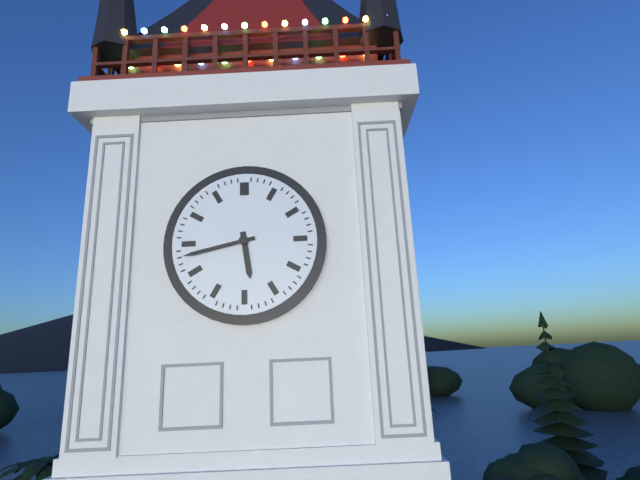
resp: 5h43
